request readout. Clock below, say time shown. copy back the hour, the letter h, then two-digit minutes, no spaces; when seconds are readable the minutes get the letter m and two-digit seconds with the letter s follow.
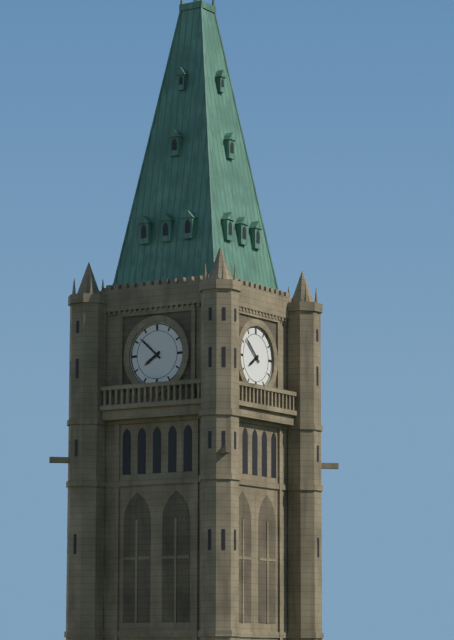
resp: 7h52
